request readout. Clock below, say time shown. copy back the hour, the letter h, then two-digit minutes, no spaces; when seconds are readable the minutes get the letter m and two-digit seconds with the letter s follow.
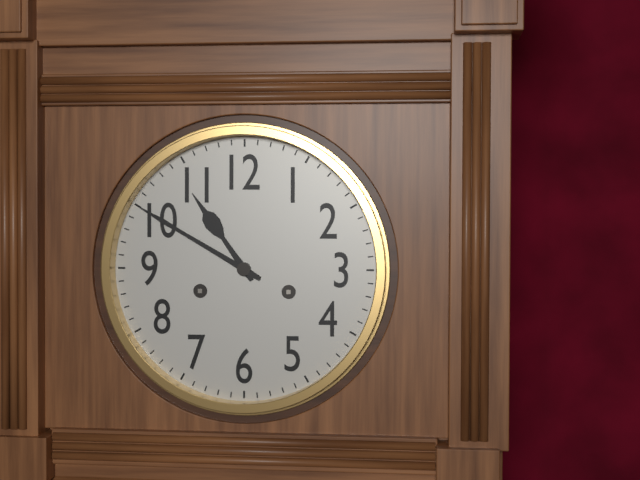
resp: 10h50
